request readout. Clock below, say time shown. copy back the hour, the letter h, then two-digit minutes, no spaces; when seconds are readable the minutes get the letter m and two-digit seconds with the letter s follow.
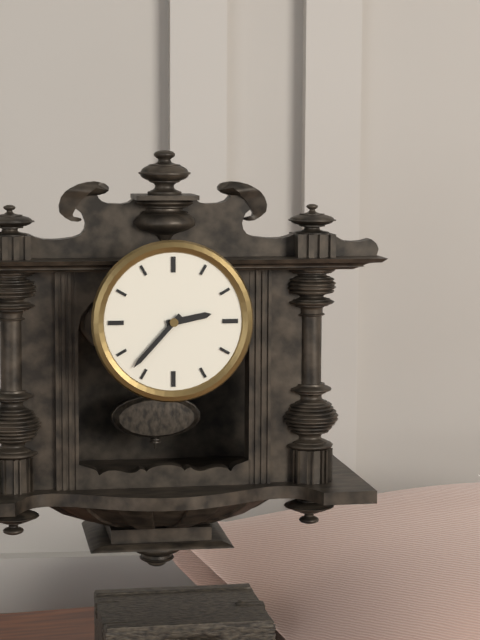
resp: 2h37
